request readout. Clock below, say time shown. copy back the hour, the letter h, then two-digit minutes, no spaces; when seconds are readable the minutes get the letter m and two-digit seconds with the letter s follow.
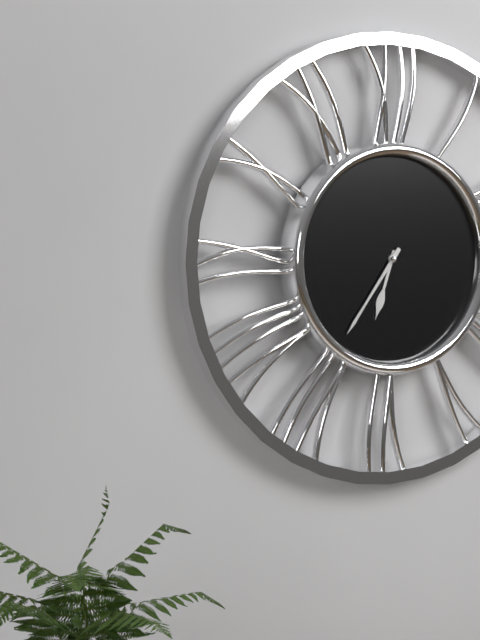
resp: 6h36
